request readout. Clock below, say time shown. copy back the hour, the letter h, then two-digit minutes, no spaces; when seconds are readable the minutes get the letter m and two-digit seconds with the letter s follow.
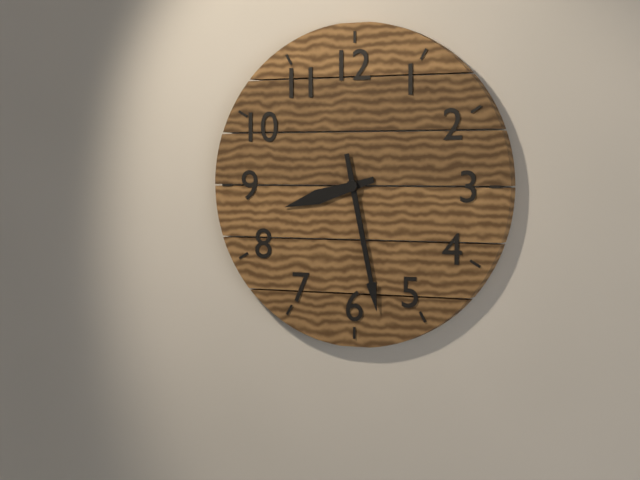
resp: 8h28
